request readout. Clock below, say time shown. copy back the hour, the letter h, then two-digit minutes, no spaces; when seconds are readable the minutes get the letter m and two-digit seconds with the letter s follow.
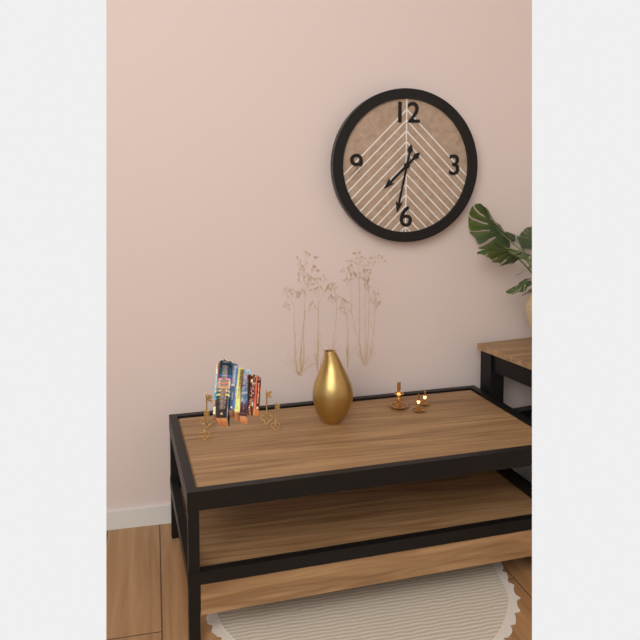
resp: 7h32
